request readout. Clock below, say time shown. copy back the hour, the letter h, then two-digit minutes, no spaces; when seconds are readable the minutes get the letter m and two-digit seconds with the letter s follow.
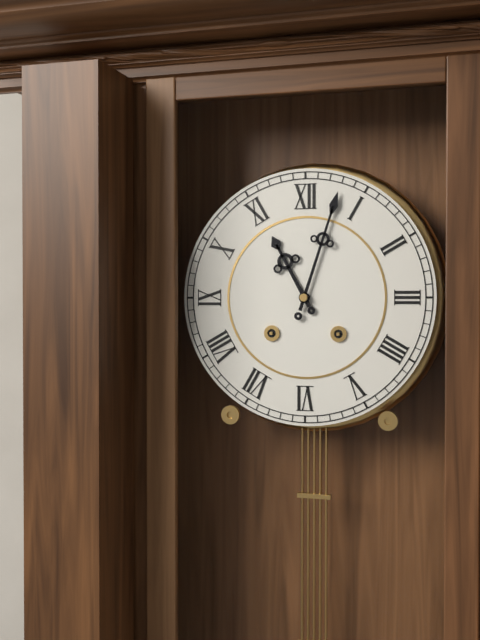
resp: 11h03
